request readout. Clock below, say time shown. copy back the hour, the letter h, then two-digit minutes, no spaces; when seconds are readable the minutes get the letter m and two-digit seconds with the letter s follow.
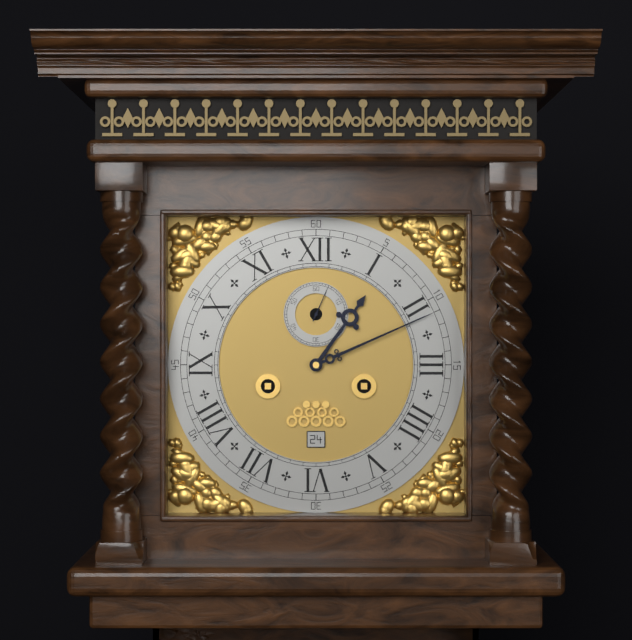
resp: 1h11
